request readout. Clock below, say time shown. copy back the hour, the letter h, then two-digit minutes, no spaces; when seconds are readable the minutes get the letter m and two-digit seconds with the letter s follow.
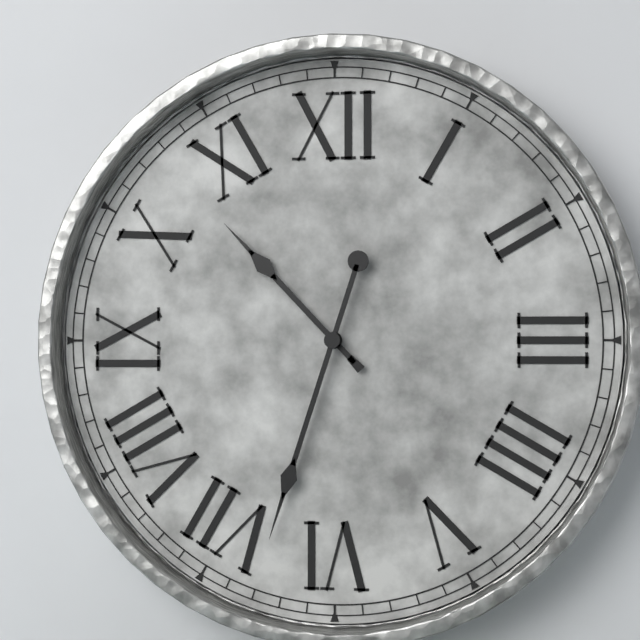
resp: 10h33
